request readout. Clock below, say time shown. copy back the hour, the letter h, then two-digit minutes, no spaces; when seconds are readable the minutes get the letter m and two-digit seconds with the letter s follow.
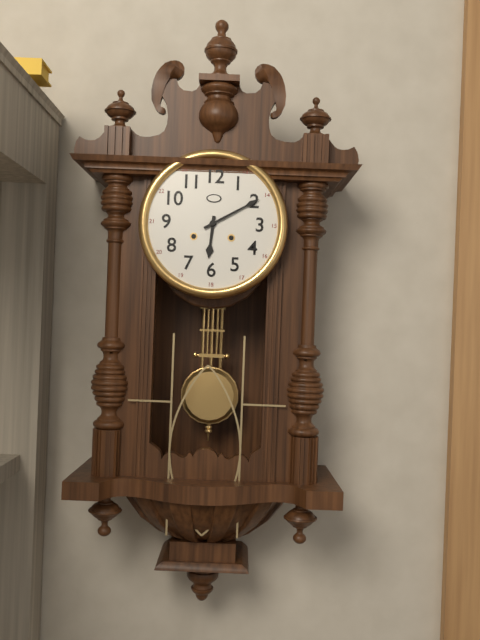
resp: 6h10
